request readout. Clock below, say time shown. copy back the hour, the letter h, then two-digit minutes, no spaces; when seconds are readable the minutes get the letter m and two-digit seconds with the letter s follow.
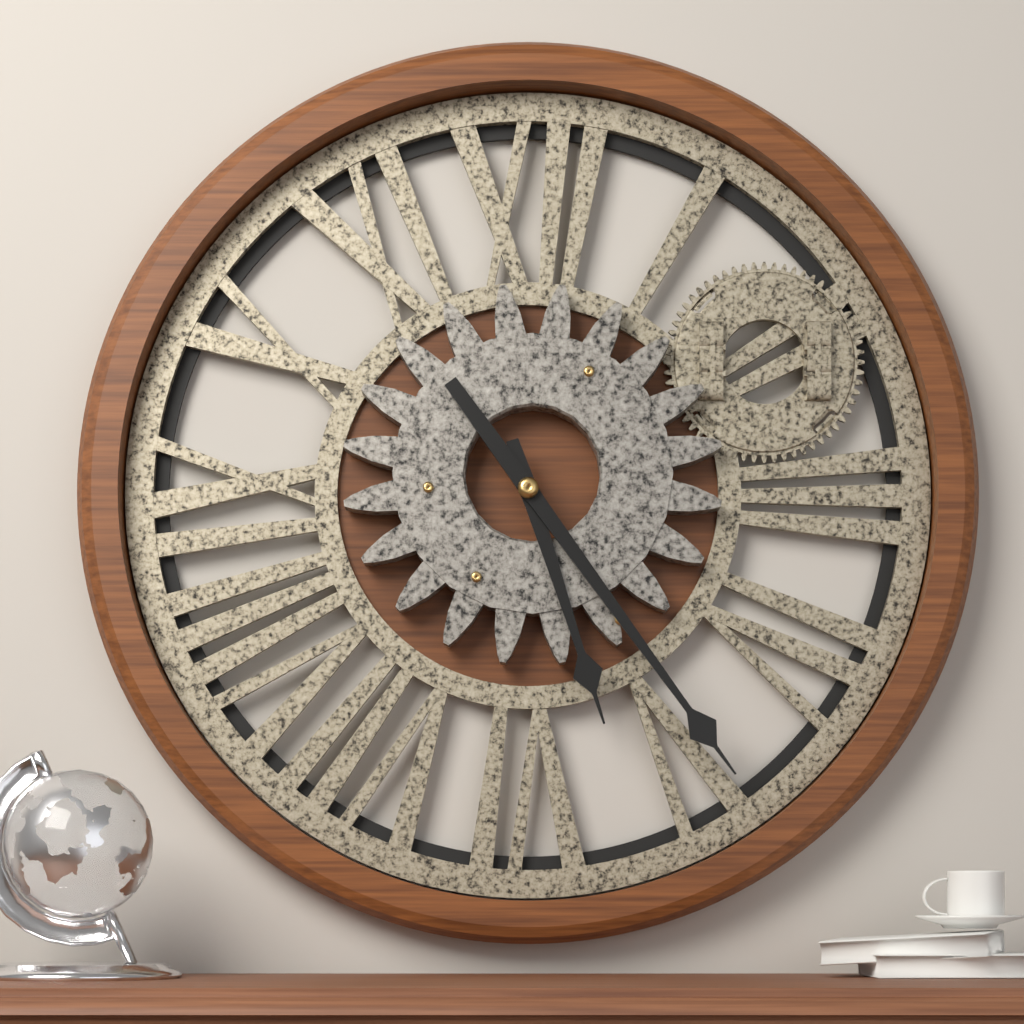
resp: 5h24
